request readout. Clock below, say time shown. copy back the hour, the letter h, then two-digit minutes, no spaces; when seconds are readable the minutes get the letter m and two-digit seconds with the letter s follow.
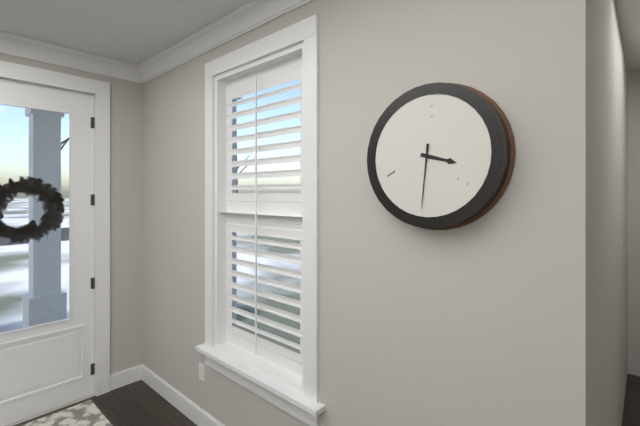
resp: 3h31
